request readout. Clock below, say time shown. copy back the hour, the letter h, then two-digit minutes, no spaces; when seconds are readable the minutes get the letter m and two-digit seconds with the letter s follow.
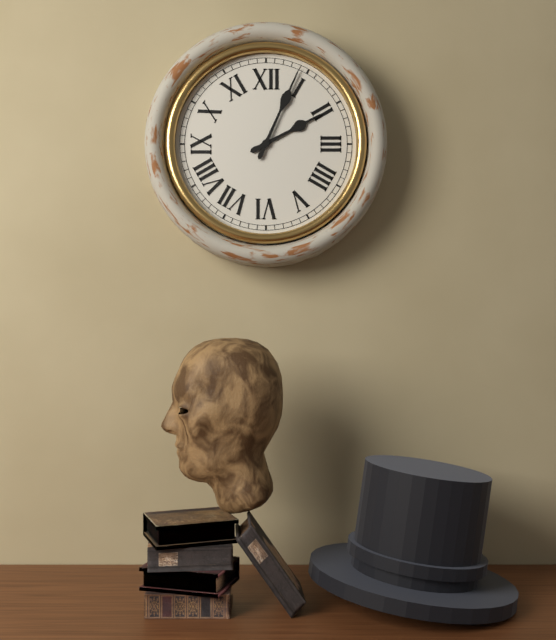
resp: 2h04
